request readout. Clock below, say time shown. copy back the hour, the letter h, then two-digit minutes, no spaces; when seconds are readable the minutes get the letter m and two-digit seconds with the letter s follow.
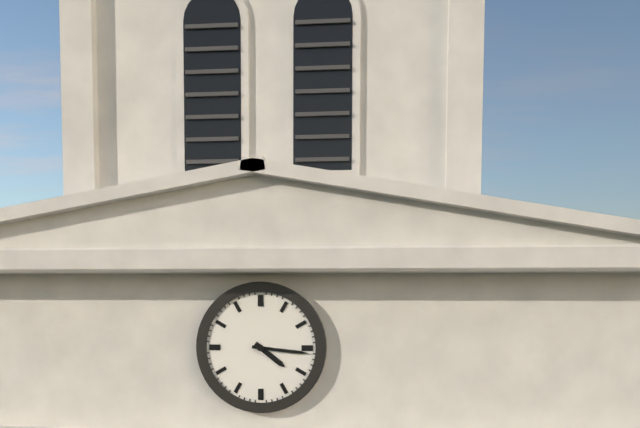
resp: 4h16
